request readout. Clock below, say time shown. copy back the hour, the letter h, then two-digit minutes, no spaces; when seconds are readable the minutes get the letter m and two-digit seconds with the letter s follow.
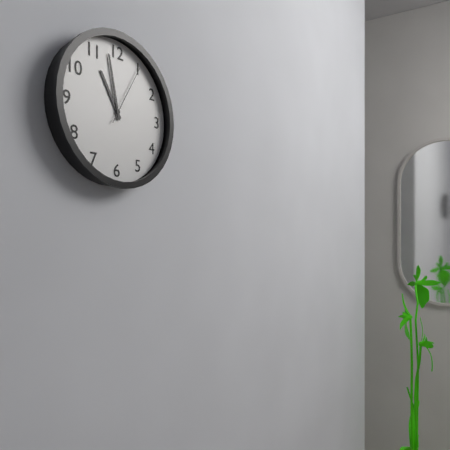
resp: 10h58m05s
